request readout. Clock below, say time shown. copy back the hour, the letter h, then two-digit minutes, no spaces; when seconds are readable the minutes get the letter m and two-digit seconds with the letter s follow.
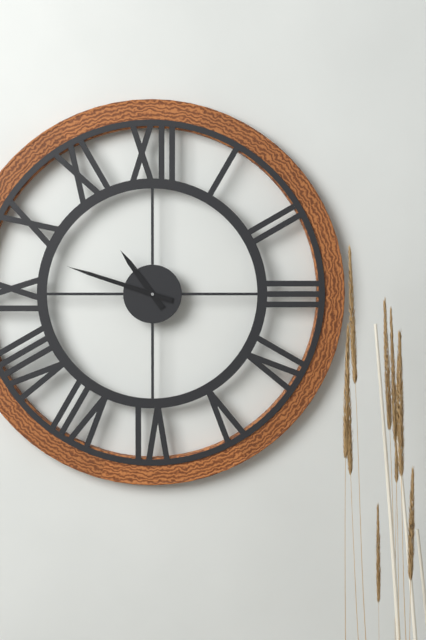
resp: 10h48
